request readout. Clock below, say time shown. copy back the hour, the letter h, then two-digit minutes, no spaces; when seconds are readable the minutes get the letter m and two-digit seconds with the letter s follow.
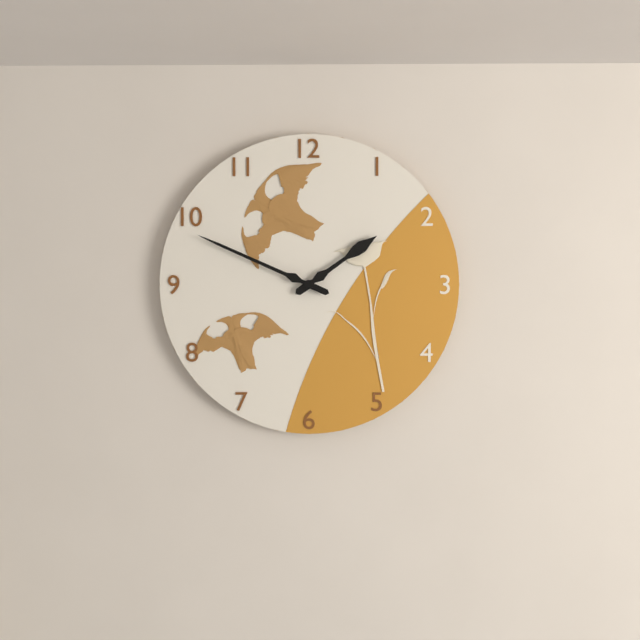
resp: 1h49
